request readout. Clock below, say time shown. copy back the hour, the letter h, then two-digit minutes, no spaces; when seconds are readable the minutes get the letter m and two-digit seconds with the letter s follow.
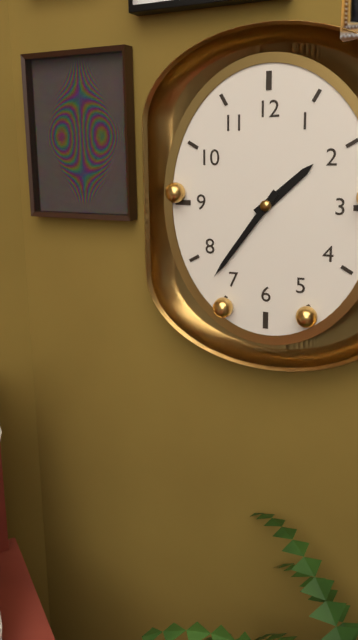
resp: 1h36
